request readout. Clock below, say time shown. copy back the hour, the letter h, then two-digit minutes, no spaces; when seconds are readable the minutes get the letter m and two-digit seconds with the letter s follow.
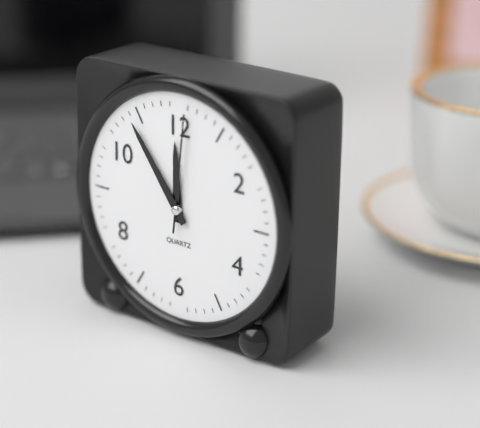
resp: 11h54m01s
